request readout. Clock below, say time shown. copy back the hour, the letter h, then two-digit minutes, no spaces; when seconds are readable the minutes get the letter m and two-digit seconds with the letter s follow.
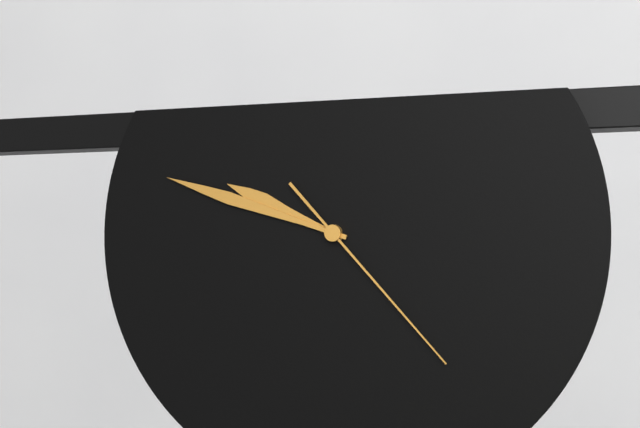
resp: 9h48m23s
